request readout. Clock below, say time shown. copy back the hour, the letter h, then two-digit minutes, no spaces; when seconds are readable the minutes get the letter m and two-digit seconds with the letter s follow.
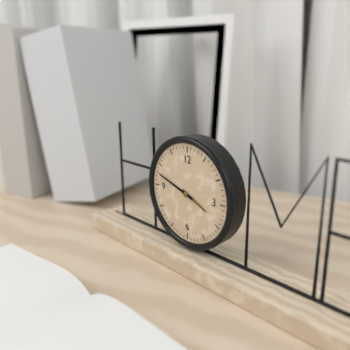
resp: 3h48
